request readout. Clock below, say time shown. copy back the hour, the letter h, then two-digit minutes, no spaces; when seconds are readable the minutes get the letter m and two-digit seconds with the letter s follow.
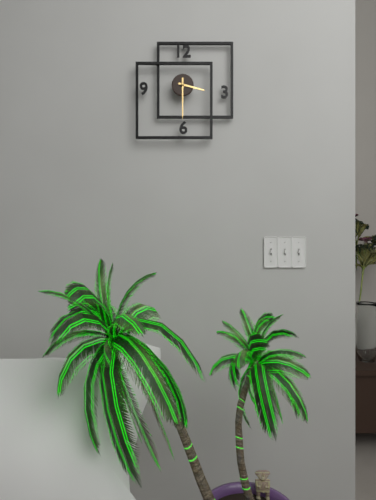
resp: 3h30
